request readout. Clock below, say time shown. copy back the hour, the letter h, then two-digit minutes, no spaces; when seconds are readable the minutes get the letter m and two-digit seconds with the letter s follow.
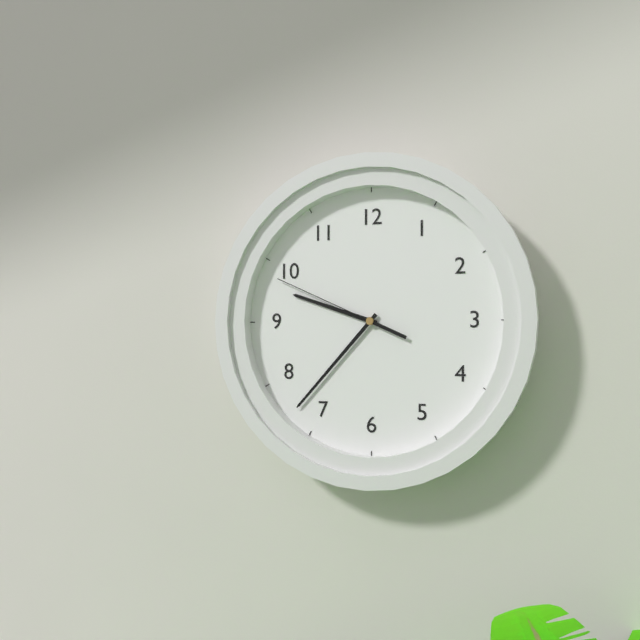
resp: 9h37m49s
